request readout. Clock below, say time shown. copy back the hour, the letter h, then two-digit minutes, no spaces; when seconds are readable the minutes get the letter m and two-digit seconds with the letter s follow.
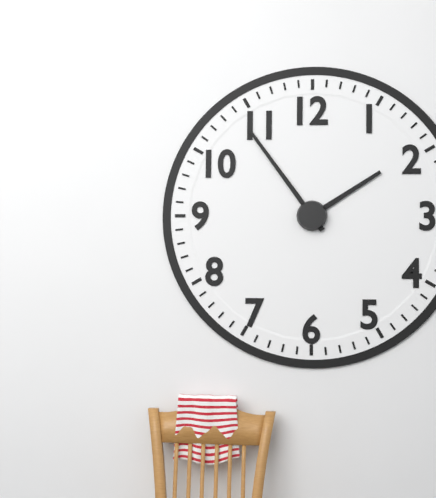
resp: 1h54
